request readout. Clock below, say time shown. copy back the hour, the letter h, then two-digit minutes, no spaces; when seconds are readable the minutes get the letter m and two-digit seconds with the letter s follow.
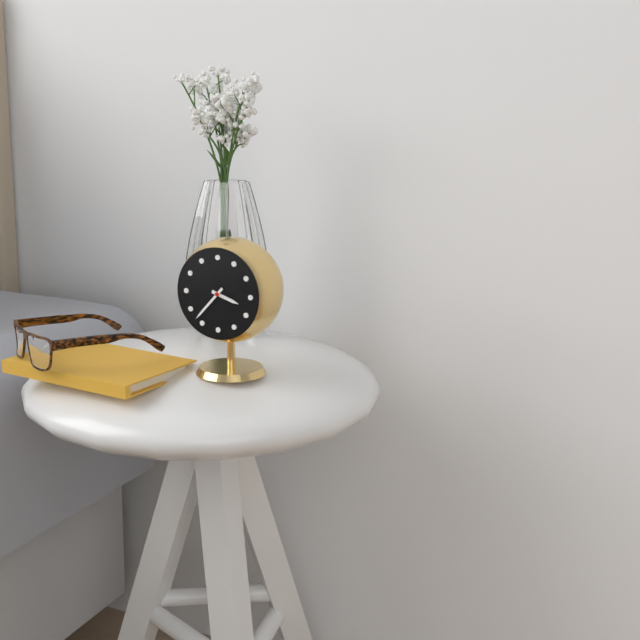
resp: 3h37
